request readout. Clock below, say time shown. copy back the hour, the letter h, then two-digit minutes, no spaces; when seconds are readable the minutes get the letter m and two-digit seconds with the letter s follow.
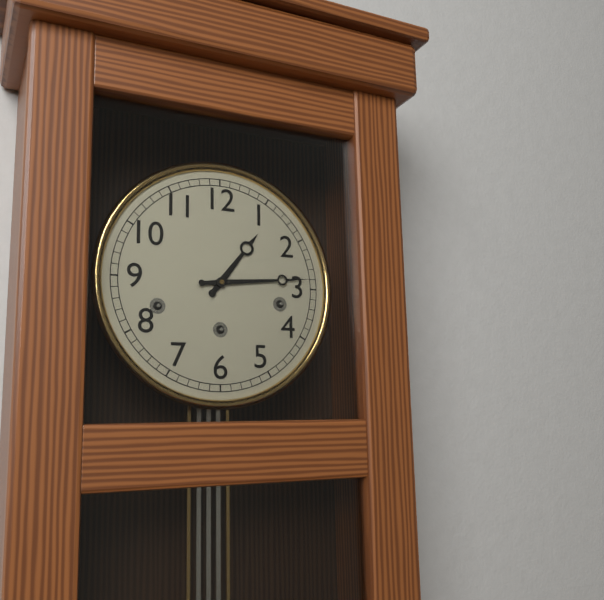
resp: 1h14
